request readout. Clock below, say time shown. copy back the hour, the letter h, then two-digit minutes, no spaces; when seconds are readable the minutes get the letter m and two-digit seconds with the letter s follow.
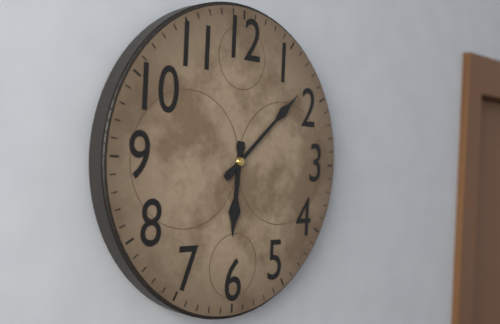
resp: 6h08
